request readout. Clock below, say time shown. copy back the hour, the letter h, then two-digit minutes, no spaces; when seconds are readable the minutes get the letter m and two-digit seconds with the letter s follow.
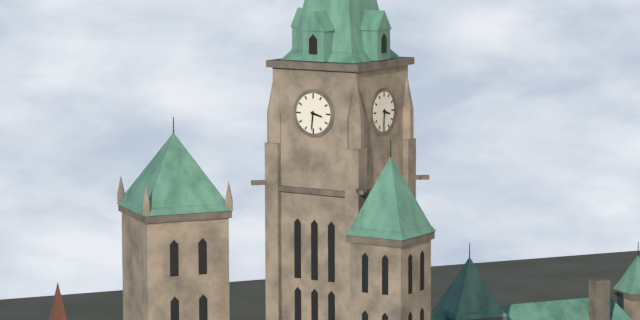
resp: 3h31
